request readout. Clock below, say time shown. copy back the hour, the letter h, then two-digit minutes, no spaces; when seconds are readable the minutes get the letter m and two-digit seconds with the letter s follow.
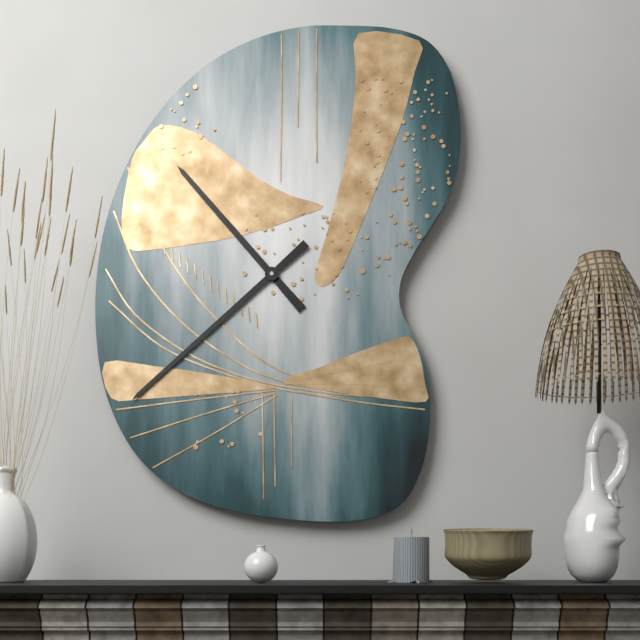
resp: 10h38
